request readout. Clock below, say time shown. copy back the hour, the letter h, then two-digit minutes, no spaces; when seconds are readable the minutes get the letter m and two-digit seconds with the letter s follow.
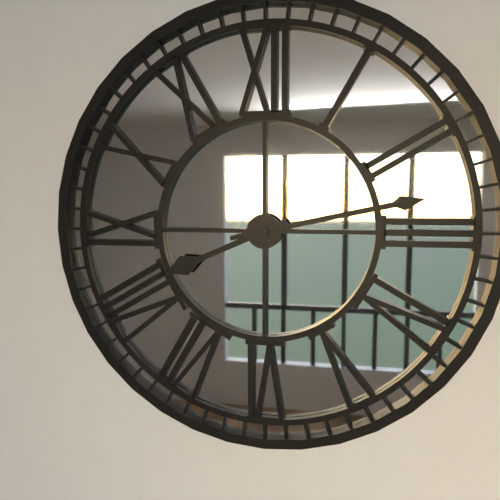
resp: 8h13
